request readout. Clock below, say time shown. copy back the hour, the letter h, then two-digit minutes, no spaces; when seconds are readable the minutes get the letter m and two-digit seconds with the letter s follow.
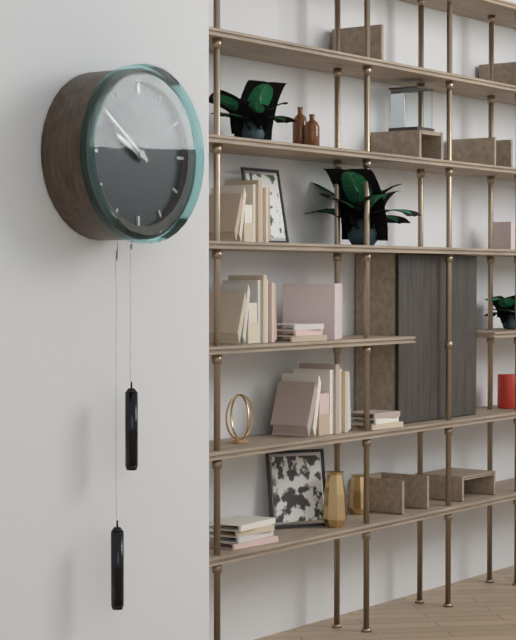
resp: 9h51
